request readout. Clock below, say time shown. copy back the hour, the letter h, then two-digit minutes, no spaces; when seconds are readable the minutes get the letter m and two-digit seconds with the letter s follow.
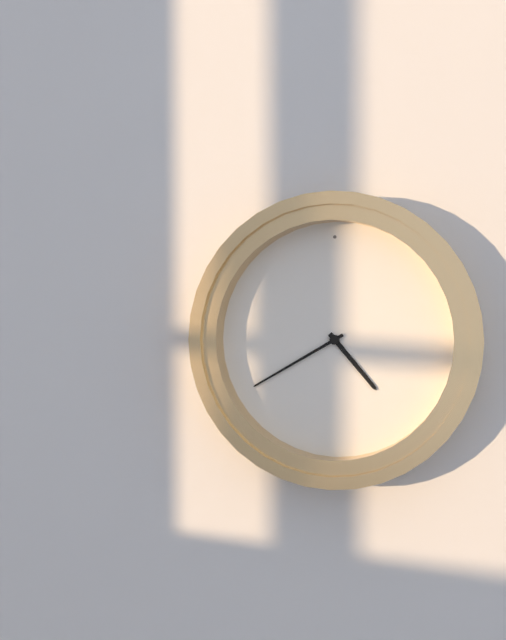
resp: 4h40
